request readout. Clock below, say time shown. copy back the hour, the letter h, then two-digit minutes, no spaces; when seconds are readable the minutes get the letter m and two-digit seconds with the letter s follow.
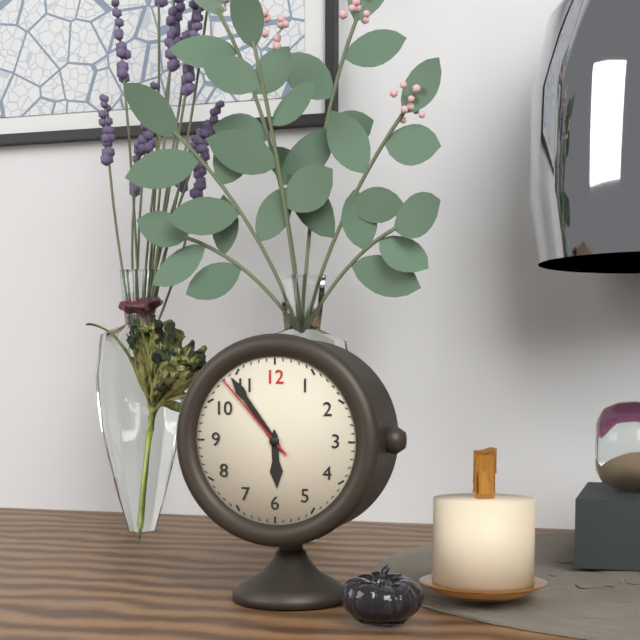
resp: 5h54m53s
